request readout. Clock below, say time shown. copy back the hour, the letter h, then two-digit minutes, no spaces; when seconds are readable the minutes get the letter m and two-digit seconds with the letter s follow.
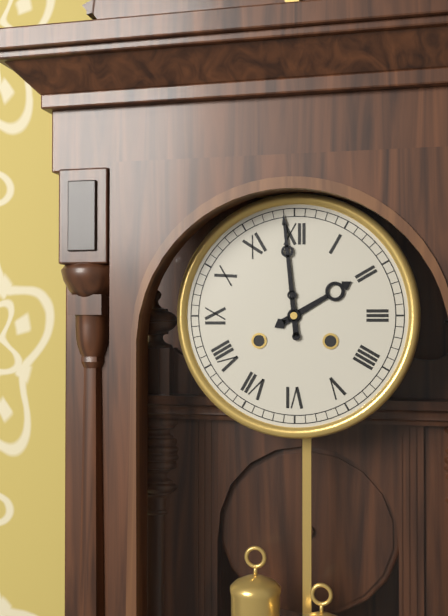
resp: 1h59
